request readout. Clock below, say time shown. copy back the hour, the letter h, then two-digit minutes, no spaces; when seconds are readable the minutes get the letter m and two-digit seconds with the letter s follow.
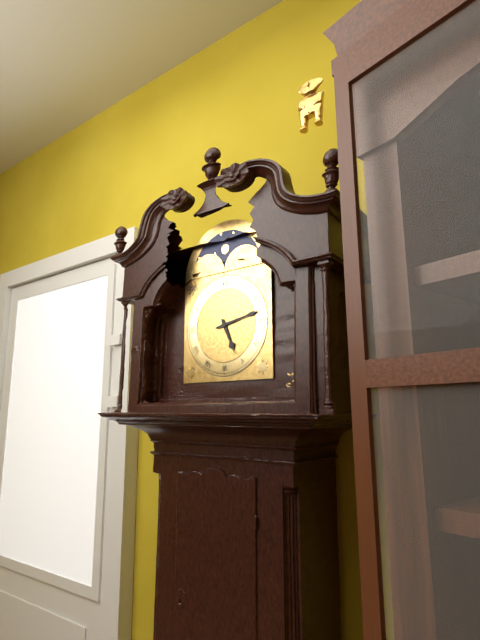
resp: 5h13
